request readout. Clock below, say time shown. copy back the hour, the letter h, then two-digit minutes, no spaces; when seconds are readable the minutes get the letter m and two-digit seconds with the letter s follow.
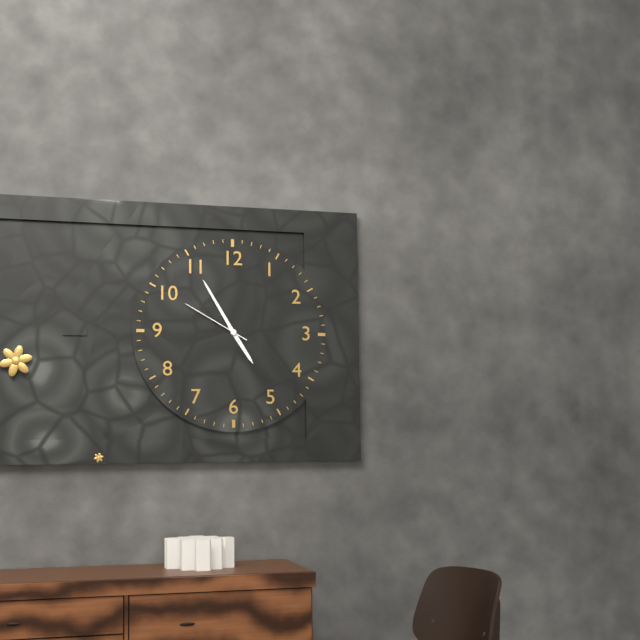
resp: 4h55m50s
